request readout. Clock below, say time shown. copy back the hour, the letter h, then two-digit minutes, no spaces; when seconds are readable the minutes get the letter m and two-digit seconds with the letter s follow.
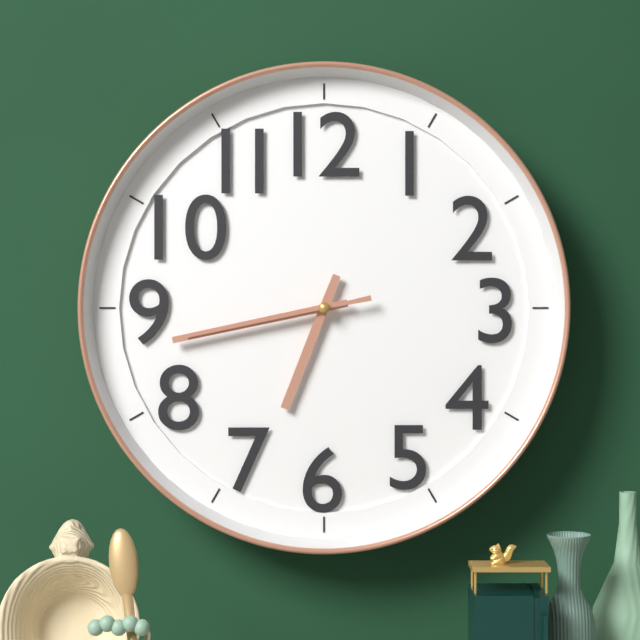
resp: 6h43m43s
